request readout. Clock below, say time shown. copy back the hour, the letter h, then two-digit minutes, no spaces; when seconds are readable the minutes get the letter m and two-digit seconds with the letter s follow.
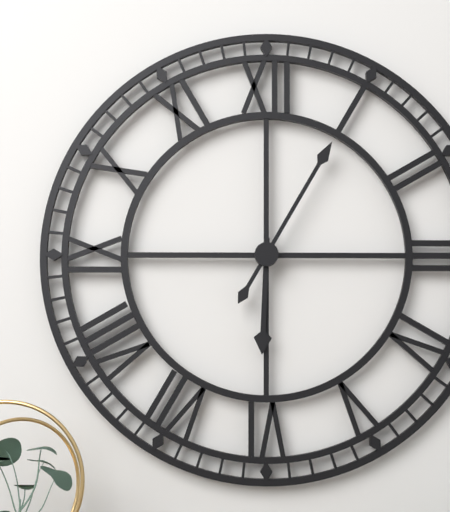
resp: 6h05
